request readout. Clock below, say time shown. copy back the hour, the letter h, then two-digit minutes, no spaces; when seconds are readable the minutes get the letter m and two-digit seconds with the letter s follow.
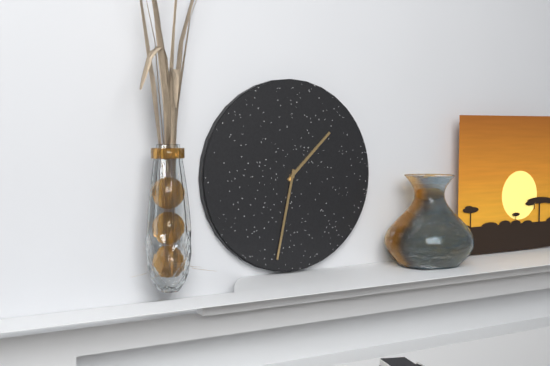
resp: 1h32
